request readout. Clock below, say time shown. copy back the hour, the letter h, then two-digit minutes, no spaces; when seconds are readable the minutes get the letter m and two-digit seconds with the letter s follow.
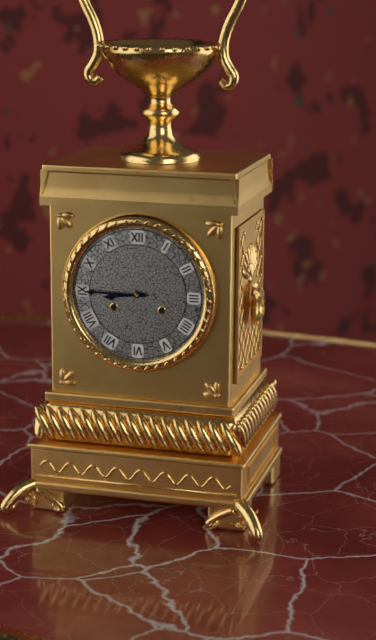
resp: 8h45
